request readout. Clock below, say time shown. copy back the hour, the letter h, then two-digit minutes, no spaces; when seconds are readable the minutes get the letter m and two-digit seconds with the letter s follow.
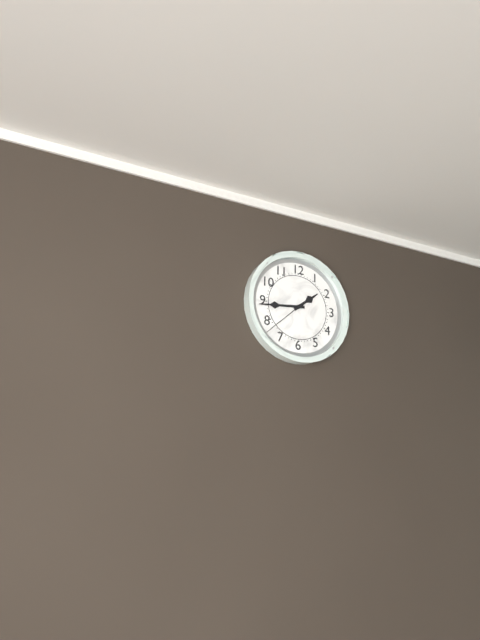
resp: 1h44
